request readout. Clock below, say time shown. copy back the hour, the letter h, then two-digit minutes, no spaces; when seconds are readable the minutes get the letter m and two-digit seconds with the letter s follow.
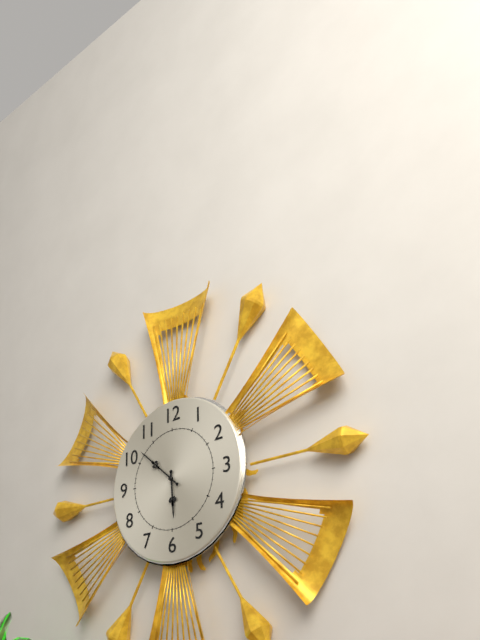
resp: 5h52
